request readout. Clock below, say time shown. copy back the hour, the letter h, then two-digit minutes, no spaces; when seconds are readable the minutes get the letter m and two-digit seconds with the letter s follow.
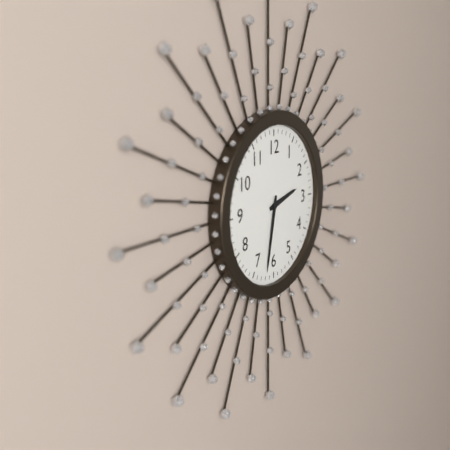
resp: 2h32
